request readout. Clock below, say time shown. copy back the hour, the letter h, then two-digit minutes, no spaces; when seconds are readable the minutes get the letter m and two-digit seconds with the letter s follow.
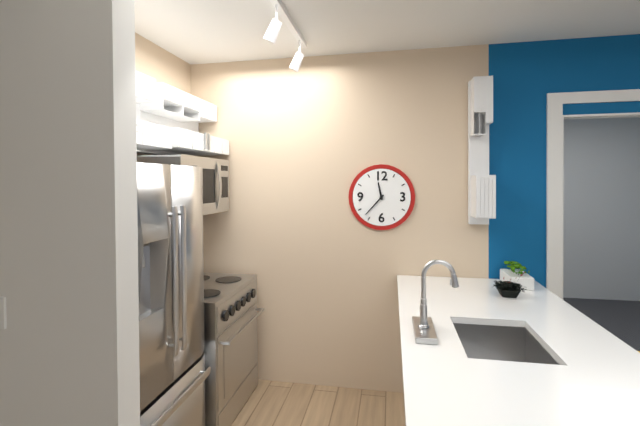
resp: 11h37
